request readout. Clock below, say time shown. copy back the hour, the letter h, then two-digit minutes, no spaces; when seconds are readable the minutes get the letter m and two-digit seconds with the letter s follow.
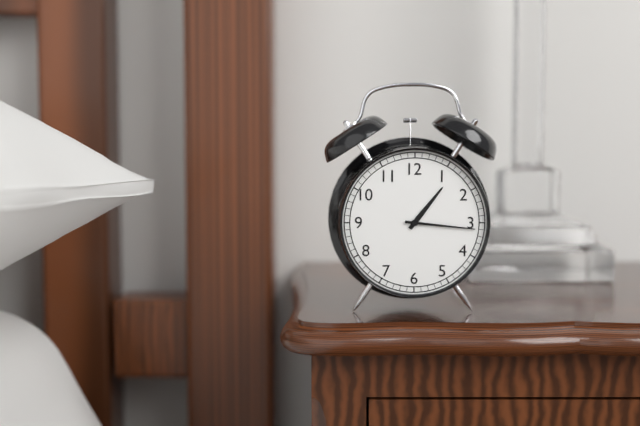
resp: 1h16
